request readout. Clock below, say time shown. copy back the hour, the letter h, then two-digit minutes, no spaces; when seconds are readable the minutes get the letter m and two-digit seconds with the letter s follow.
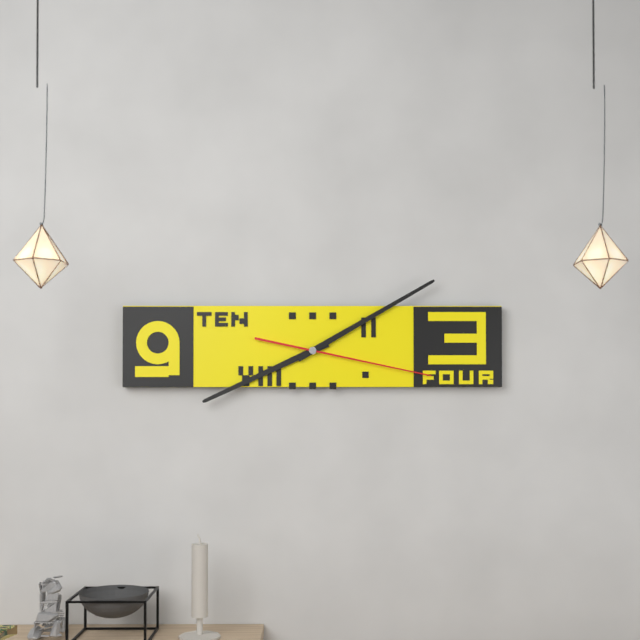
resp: 8h10m17s
